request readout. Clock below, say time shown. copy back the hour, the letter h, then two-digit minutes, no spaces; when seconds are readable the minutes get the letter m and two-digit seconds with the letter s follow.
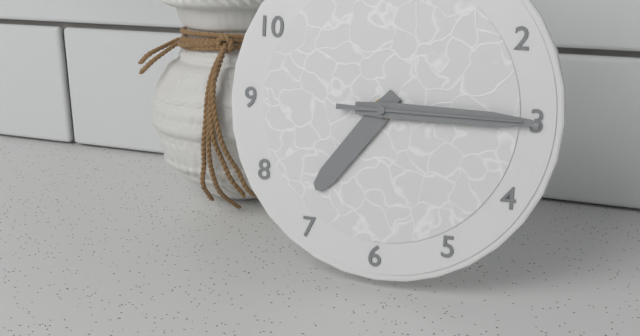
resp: 7h15m15s
